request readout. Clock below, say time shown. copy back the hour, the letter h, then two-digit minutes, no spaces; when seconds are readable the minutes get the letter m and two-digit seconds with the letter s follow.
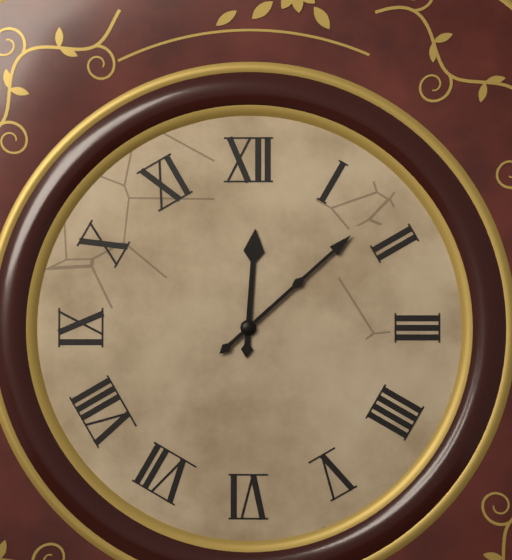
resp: 12h08
